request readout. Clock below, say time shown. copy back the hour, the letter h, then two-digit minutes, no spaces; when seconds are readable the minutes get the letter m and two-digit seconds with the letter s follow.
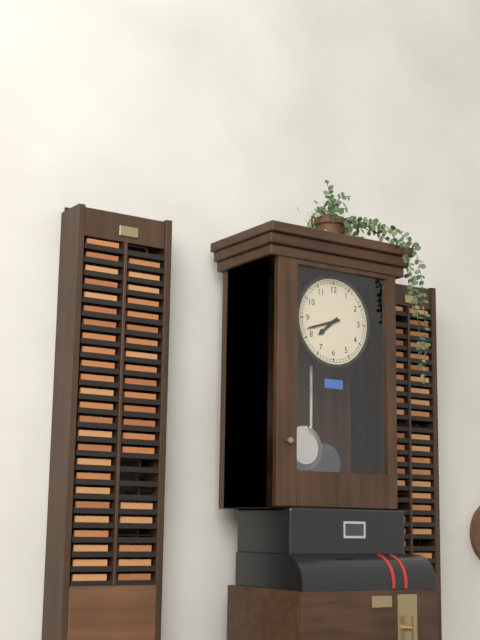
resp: 7h42
